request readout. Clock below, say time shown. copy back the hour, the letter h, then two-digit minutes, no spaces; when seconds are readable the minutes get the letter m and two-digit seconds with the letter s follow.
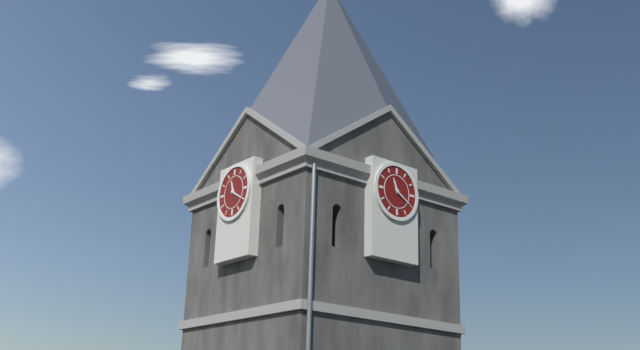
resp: 11h20
